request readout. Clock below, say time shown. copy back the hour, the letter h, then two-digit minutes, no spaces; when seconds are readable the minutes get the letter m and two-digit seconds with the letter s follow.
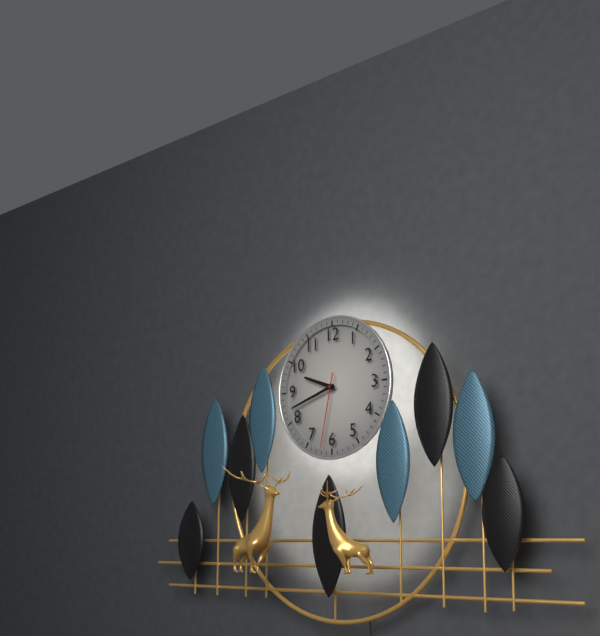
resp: 9h42m32s
